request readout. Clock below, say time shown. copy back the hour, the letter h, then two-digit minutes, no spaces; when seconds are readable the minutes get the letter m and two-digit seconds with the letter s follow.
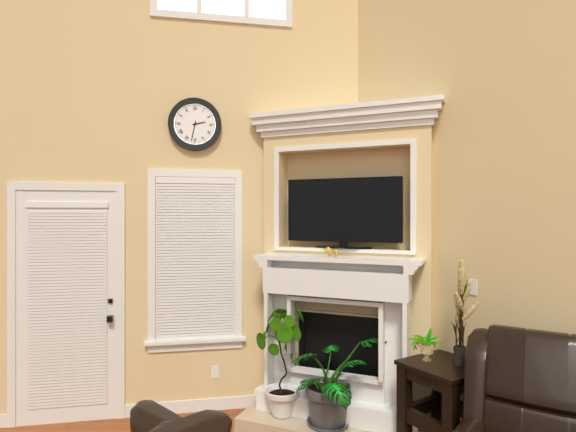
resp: 2h32
